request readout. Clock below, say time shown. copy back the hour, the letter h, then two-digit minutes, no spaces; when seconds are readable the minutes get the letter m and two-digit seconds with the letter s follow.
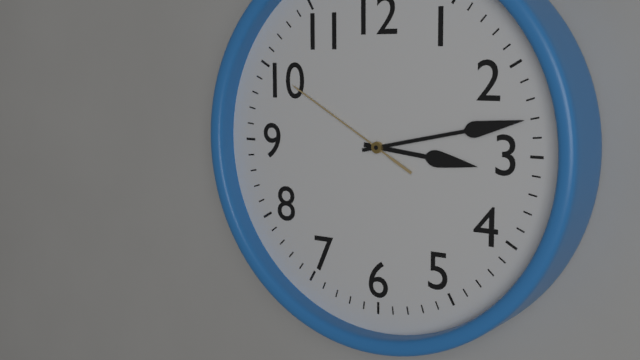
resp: 3h13m50s
